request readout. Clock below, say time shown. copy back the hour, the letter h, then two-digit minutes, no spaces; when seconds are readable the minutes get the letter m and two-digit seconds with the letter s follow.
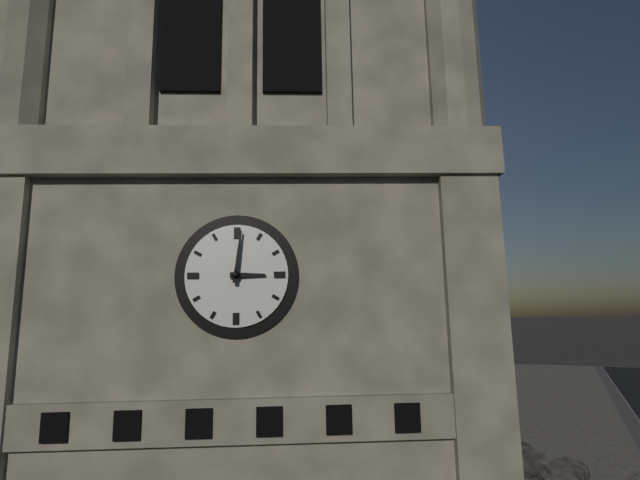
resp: 3h01
